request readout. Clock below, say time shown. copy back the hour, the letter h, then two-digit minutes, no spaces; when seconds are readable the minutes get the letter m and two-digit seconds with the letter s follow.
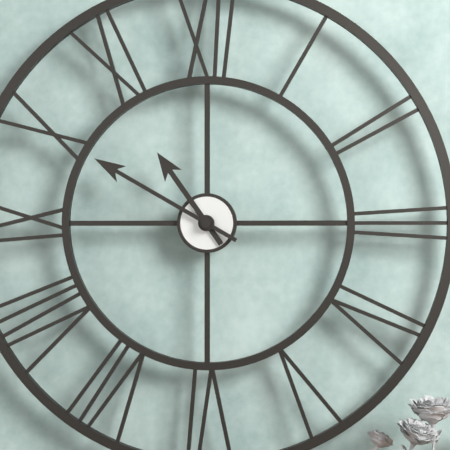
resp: 10h50
